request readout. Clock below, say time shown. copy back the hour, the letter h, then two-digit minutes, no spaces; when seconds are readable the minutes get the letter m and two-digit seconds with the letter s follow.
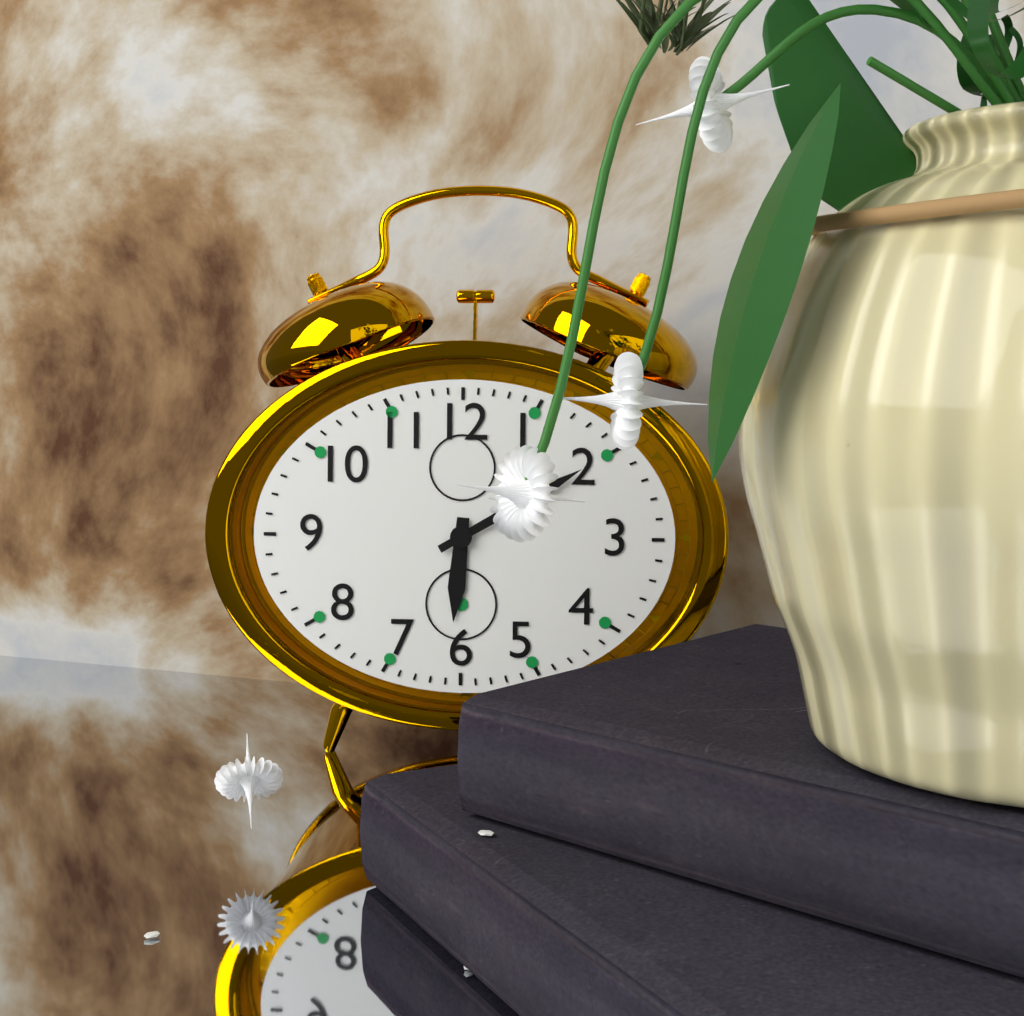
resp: 6h10
